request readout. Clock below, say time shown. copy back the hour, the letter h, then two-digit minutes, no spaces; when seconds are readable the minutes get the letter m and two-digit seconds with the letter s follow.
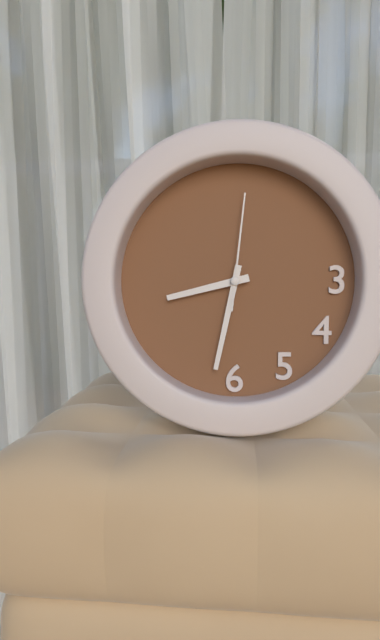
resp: 8h32m01s
